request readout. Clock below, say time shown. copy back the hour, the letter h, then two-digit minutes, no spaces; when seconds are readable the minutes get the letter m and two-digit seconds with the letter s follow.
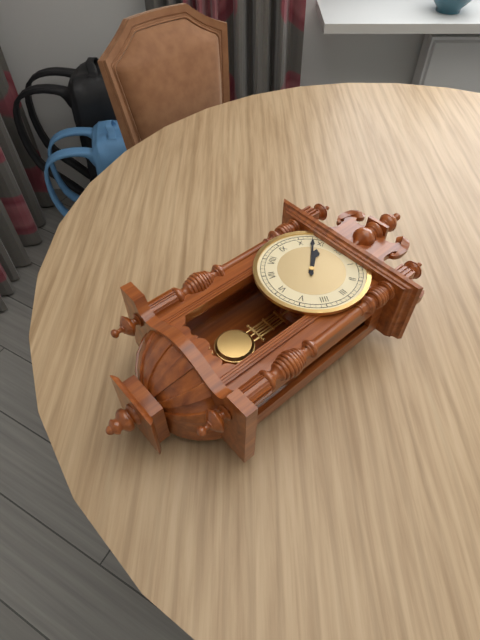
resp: 10h53
